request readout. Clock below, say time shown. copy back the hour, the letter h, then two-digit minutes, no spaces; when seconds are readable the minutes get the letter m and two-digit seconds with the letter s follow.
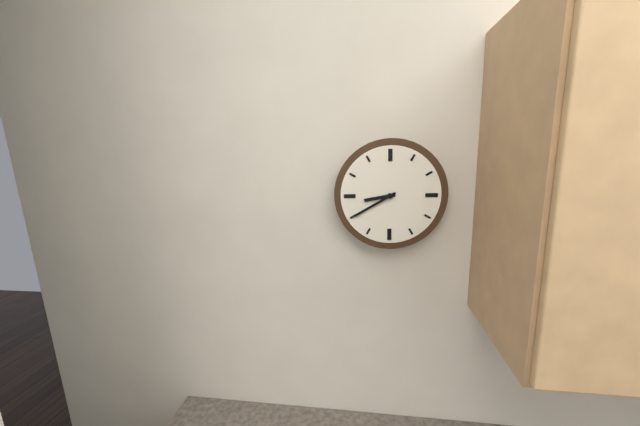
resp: 8h40
